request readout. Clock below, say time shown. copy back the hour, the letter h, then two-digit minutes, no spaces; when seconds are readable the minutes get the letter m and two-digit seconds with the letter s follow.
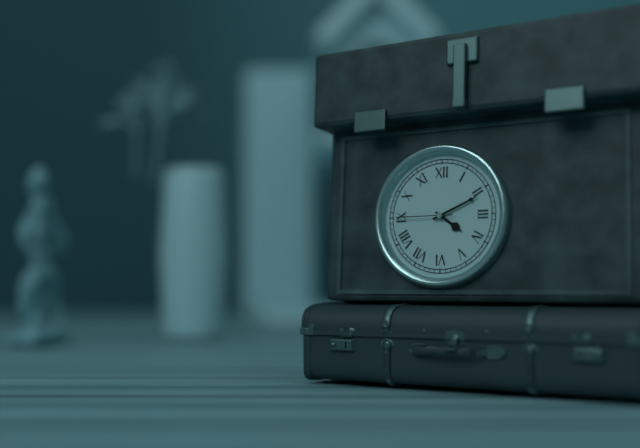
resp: 4h11m45s
